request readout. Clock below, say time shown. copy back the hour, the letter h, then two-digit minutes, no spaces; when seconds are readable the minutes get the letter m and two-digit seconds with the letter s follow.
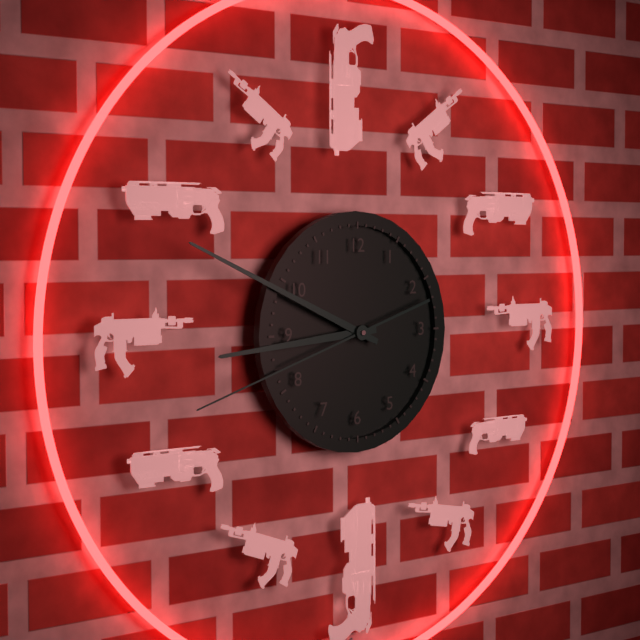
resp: 8h49m42s
